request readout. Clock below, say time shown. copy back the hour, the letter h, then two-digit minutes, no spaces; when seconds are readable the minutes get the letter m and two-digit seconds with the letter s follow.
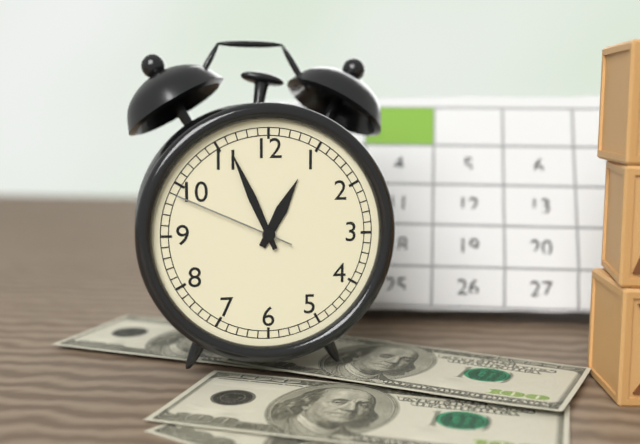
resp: 12h56m49s
